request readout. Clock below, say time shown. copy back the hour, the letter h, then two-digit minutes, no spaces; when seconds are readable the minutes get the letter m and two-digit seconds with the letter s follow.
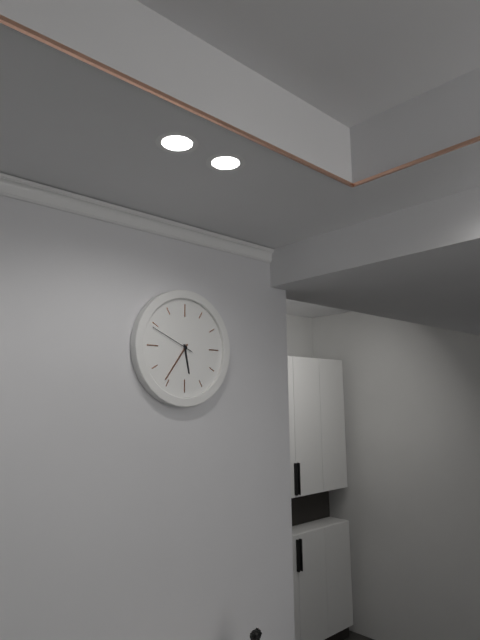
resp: 5h36
